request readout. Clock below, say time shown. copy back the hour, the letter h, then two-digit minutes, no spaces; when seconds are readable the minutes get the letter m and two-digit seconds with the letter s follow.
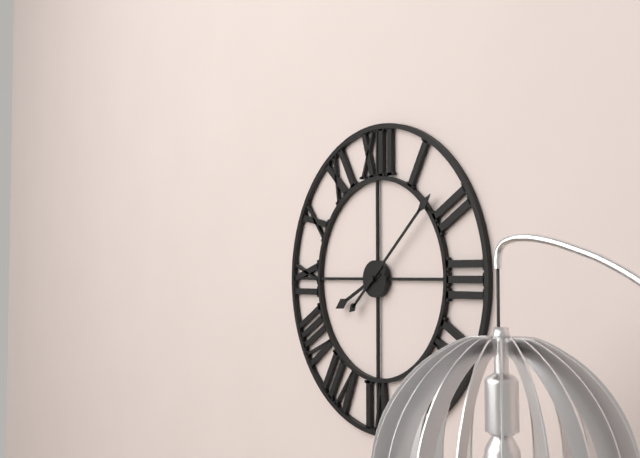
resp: 8h08
